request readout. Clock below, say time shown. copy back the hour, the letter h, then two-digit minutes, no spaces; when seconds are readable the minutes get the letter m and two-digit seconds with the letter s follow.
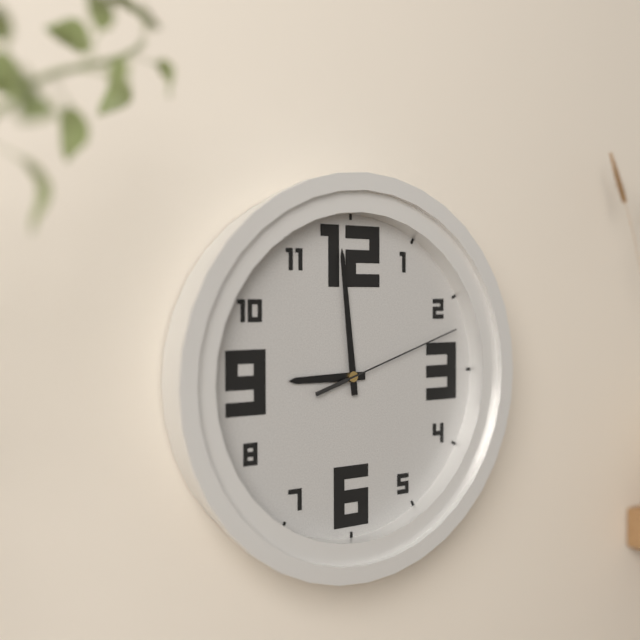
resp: 8h59m12s
